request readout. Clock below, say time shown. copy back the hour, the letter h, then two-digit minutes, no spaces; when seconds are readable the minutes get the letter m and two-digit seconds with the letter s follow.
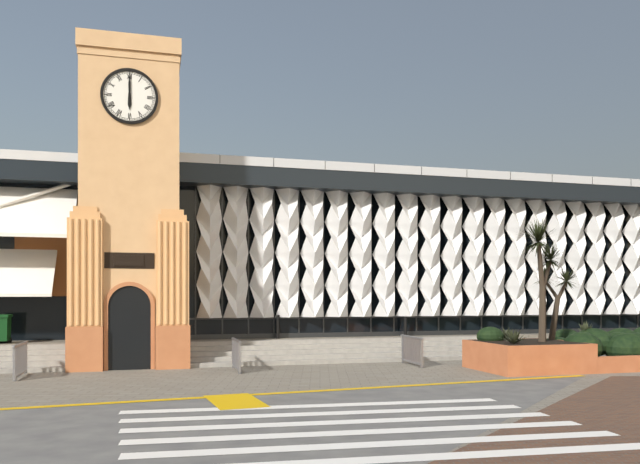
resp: 6h00
